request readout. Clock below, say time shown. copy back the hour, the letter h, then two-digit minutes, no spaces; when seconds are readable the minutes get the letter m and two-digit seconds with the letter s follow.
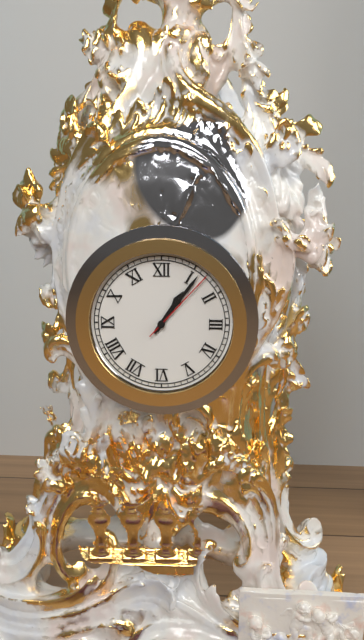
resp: 1h06m07s
